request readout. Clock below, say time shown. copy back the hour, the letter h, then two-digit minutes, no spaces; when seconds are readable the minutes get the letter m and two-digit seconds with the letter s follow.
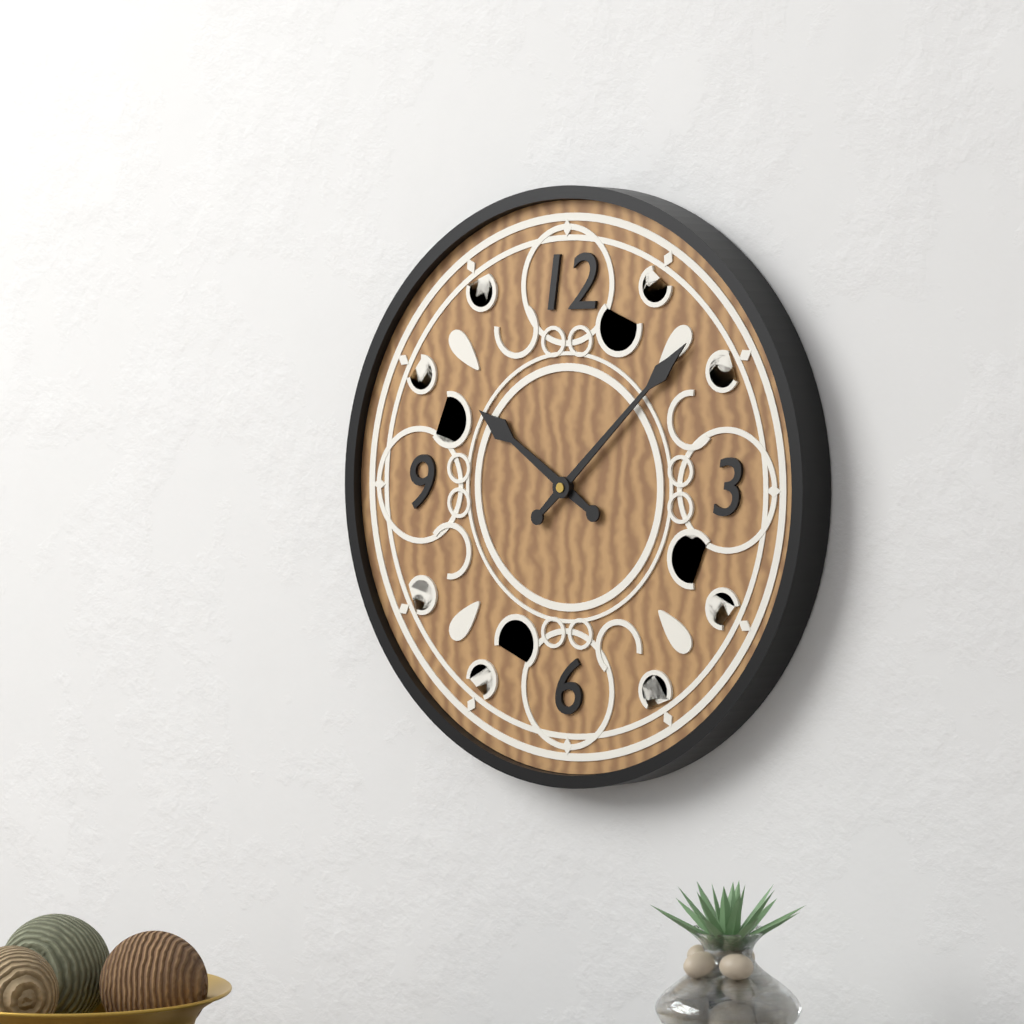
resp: 10h08
